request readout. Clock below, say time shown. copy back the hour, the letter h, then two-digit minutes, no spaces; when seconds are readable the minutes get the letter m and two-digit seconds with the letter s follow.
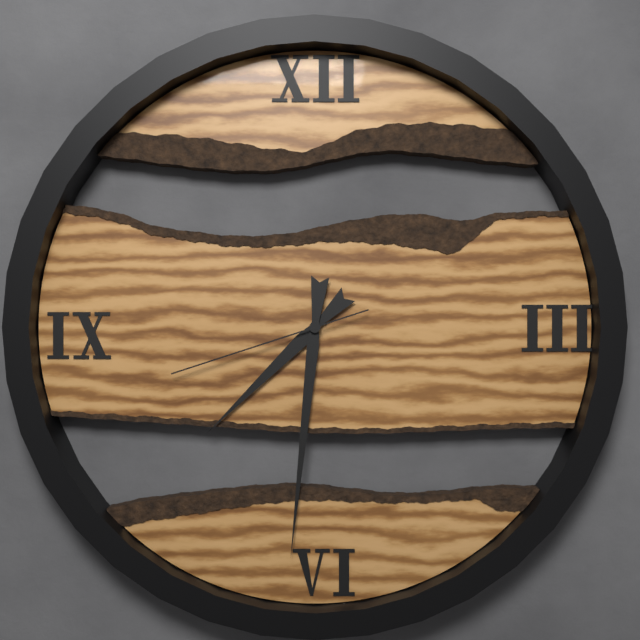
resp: 7h31m42s
